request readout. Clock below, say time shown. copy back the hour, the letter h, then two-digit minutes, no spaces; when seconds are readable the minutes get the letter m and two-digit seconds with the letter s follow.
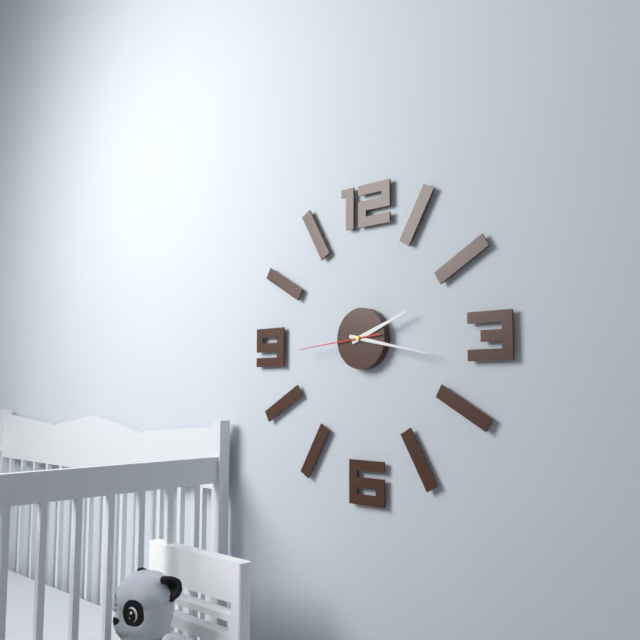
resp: 2h17m44s
